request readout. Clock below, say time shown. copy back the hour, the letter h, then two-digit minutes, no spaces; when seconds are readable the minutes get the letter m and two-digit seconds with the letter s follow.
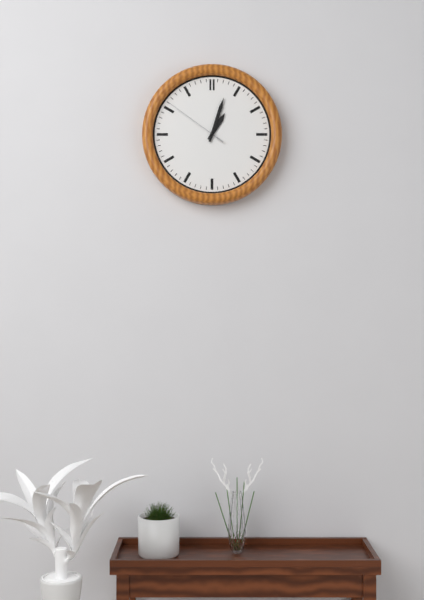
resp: 1h03m51s
